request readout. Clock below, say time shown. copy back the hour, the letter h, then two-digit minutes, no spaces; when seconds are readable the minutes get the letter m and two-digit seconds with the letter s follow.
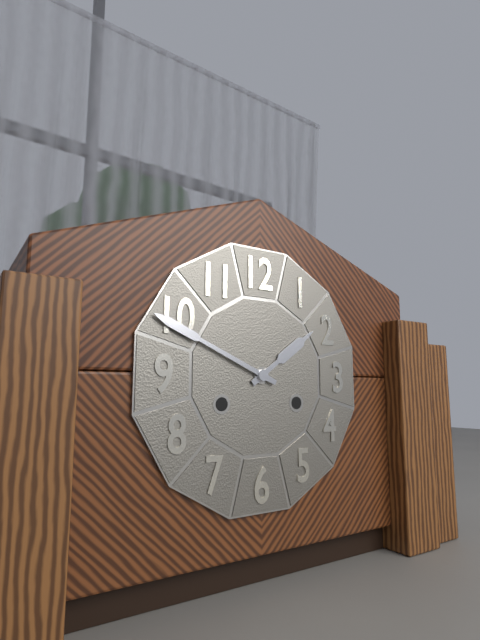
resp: 1h49
